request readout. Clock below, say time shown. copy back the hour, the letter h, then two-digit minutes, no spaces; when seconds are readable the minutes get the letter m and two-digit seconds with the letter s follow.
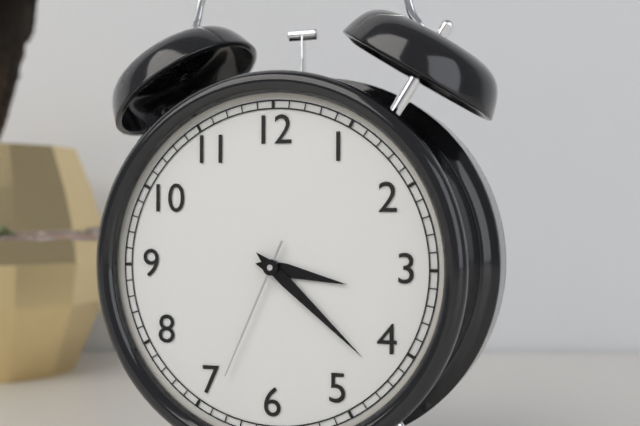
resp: 3h22m34s
